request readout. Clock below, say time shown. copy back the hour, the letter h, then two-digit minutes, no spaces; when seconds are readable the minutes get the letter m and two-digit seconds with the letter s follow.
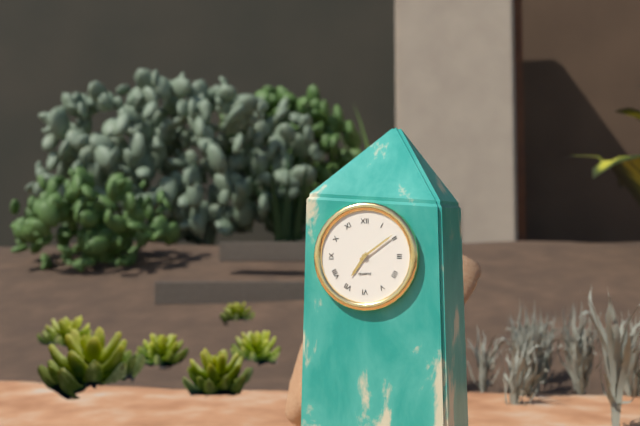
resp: 7h09
